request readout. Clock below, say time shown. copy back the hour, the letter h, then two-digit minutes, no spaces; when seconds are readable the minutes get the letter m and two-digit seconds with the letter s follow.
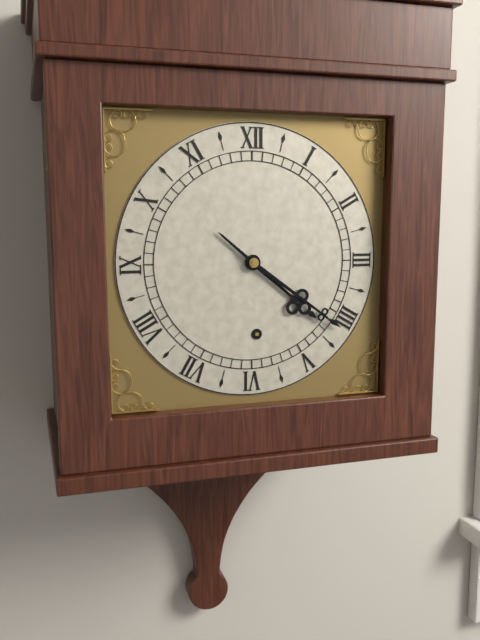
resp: 4h21
